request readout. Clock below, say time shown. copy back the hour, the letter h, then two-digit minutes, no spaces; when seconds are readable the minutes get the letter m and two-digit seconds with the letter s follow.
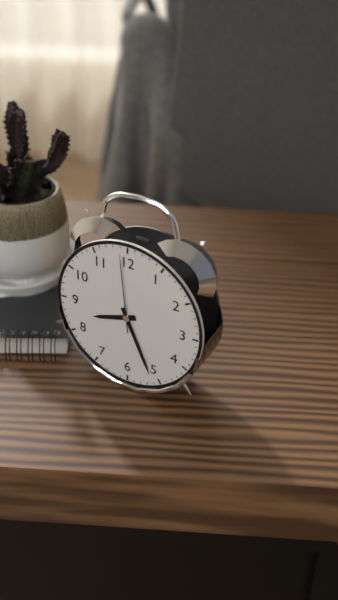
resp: 8h26m59s
